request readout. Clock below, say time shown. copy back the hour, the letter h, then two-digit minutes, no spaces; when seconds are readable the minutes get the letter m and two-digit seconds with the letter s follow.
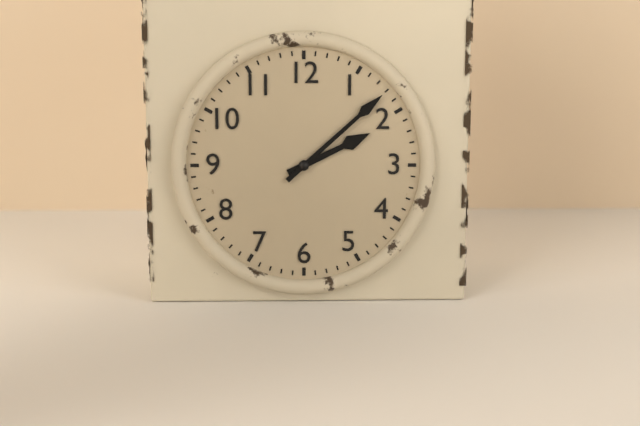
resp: 2h08
